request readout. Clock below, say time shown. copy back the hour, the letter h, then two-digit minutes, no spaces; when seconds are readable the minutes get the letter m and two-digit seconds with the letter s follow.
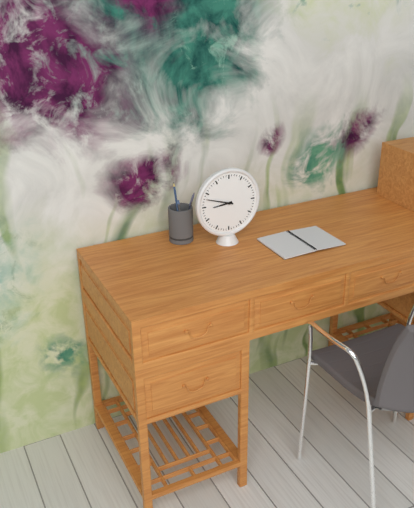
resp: 8h48
